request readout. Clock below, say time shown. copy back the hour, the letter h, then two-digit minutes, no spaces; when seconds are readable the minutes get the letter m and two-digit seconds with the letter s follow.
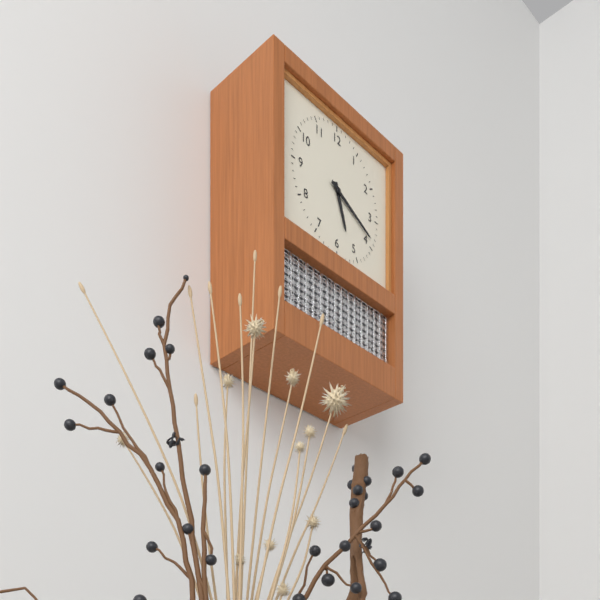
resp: 5h19
